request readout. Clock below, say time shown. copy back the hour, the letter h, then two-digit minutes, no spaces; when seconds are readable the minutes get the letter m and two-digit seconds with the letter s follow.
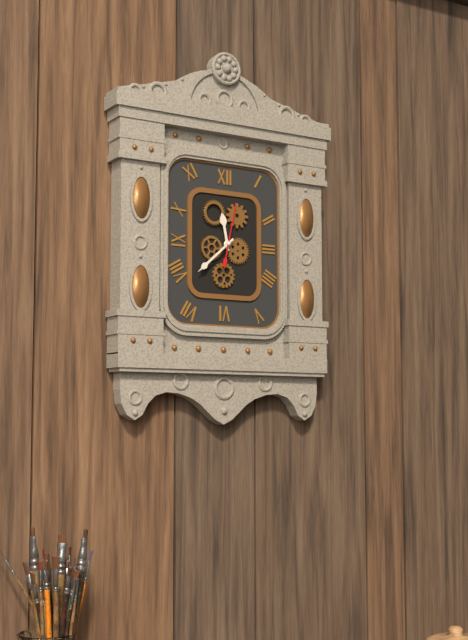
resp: 11h38m02s
